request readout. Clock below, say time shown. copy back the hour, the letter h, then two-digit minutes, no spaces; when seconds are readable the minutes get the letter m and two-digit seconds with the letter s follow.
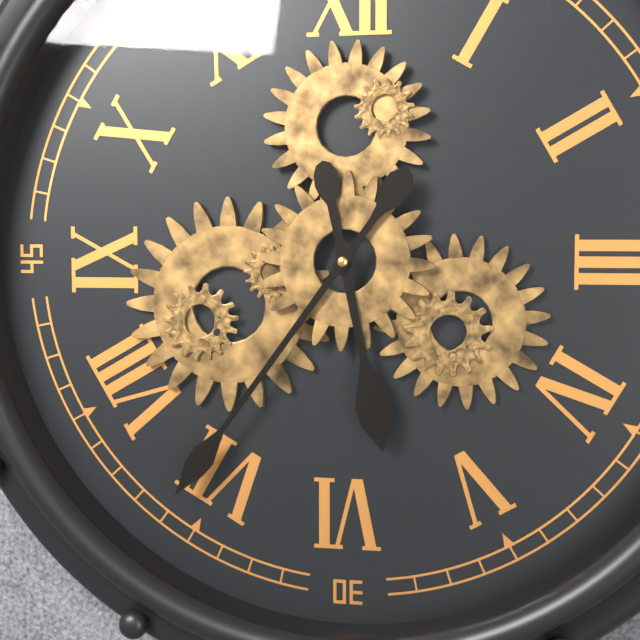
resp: 5h36
